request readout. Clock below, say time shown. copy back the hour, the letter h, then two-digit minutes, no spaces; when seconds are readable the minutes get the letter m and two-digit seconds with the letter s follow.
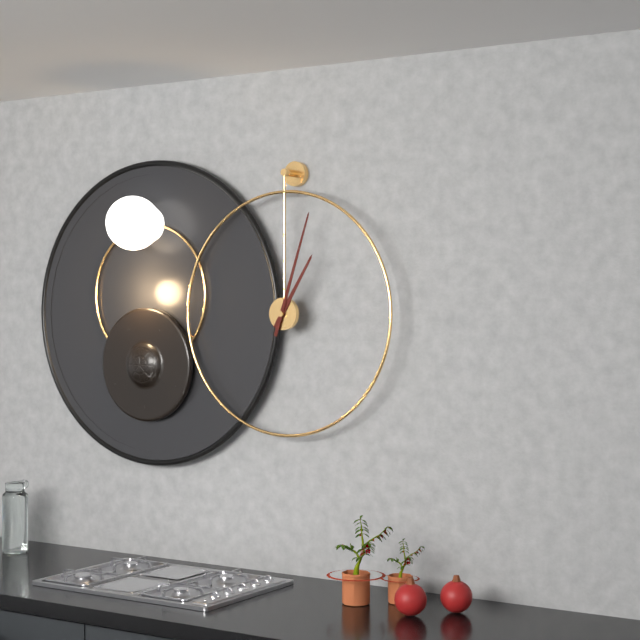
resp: 1h03
